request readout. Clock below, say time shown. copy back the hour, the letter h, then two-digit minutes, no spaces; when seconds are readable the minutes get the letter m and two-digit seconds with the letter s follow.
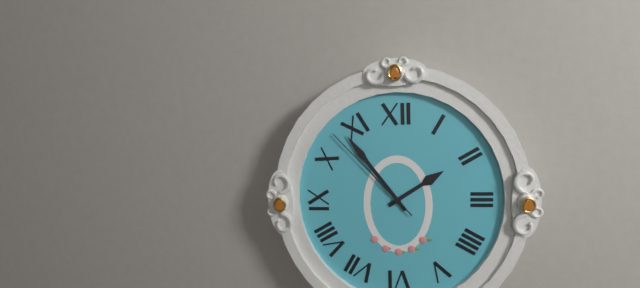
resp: 1h54m53s
